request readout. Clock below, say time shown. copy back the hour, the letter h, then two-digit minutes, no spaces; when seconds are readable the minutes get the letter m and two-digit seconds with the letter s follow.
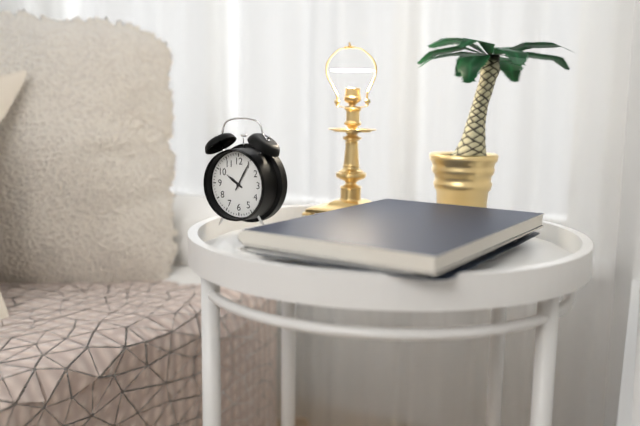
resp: 10h05
